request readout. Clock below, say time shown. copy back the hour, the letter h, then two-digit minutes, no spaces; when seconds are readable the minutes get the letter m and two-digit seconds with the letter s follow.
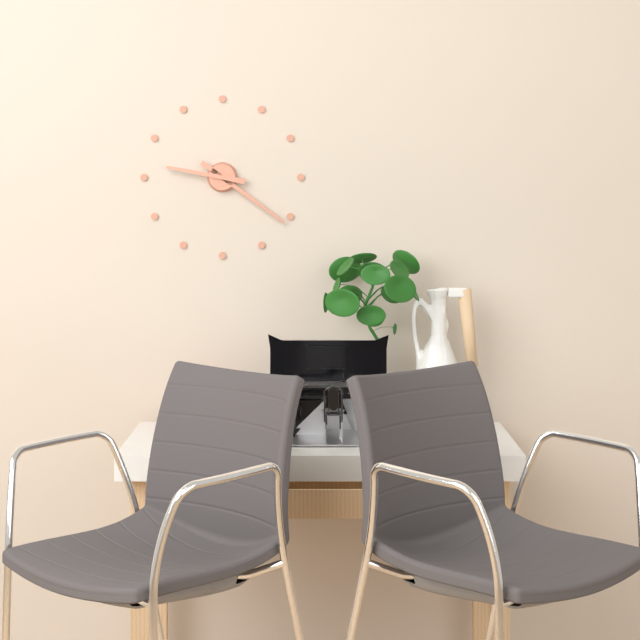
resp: 9h21
